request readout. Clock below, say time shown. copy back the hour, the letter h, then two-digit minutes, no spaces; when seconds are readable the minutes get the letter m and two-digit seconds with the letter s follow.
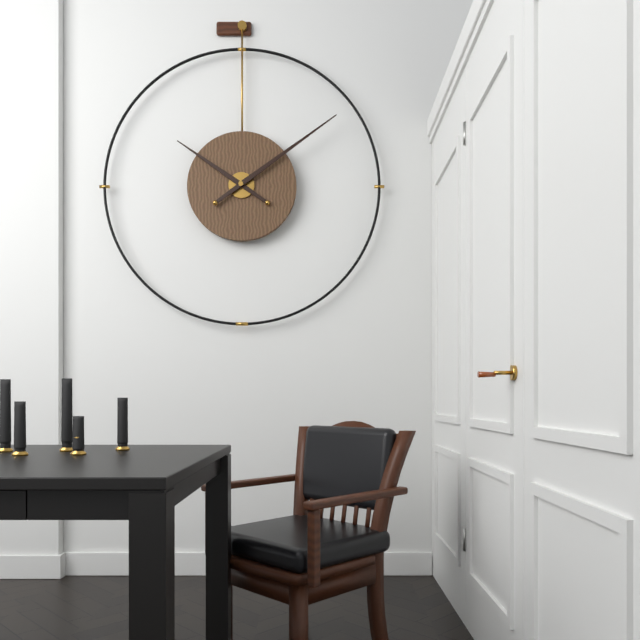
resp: 10h09
